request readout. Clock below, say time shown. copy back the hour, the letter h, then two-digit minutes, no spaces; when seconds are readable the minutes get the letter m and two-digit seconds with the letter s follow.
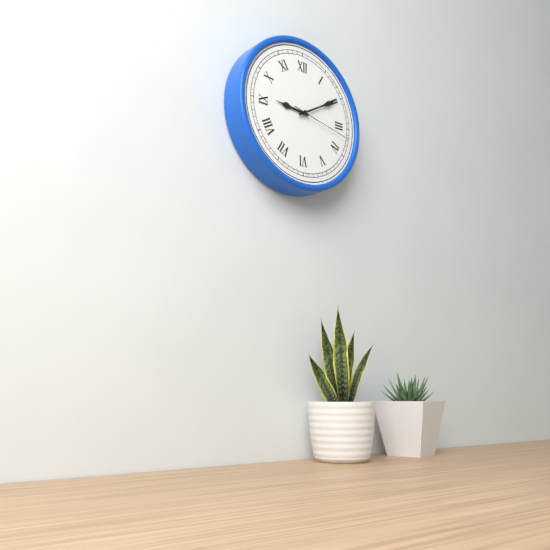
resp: 9h10m17s
